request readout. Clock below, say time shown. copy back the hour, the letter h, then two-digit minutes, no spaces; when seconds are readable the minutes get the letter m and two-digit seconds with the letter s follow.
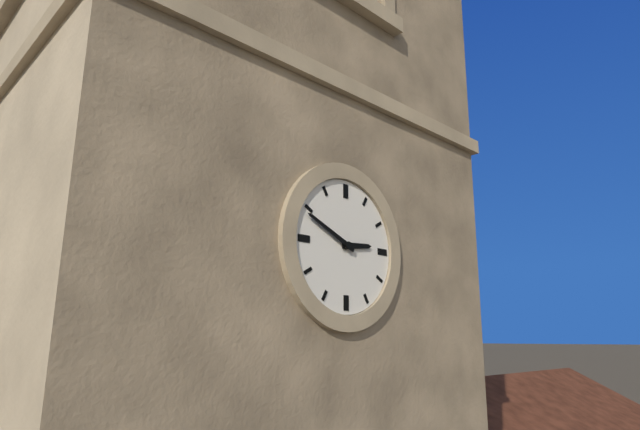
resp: 2h49
